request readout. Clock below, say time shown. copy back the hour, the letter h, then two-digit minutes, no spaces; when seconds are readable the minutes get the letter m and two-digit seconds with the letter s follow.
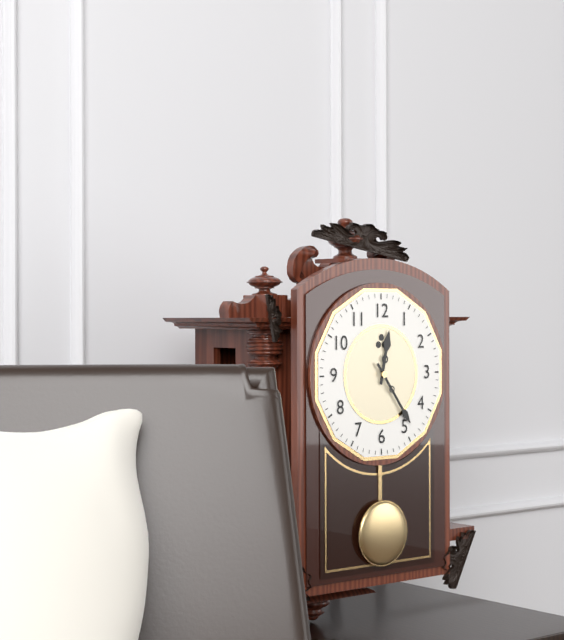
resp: 12h24
